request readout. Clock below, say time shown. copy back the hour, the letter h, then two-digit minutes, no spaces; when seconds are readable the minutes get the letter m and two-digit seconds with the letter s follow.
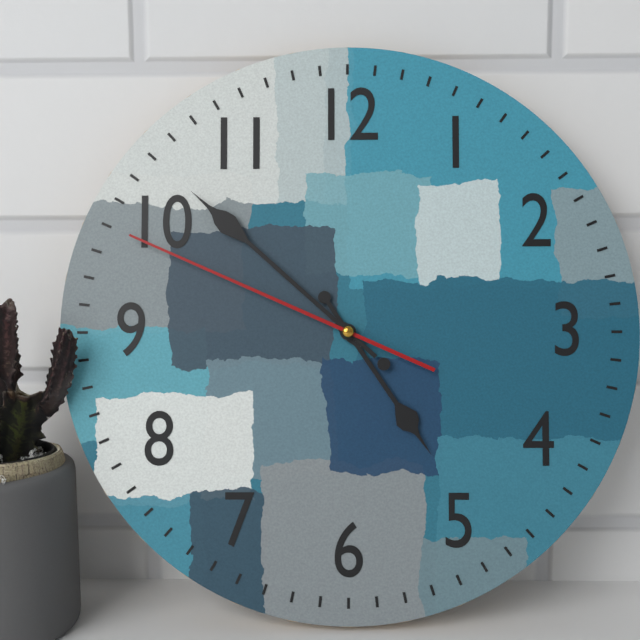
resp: 4h52m49s
